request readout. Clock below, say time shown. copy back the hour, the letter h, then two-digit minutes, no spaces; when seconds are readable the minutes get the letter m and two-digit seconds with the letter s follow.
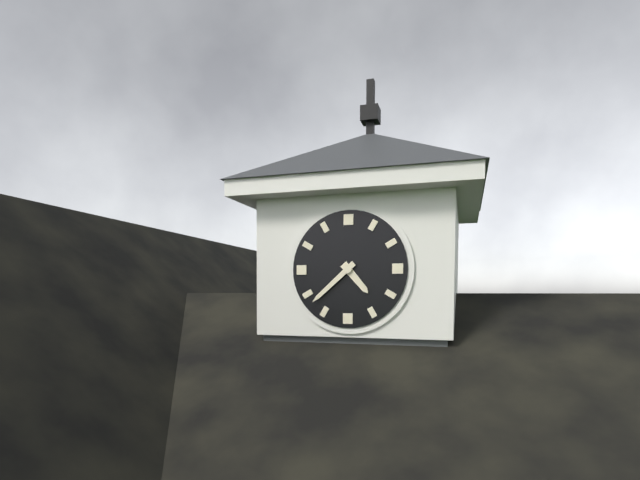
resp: 4h38
